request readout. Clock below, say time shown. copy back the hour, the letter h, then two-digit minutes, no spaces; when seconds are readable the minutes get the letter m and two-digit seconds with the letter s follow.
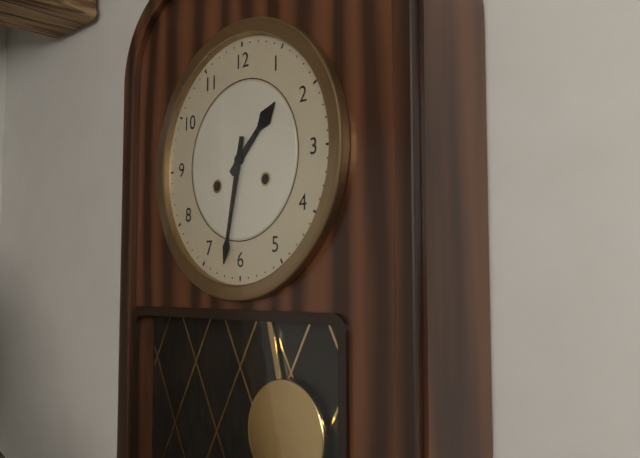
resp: 1h32
